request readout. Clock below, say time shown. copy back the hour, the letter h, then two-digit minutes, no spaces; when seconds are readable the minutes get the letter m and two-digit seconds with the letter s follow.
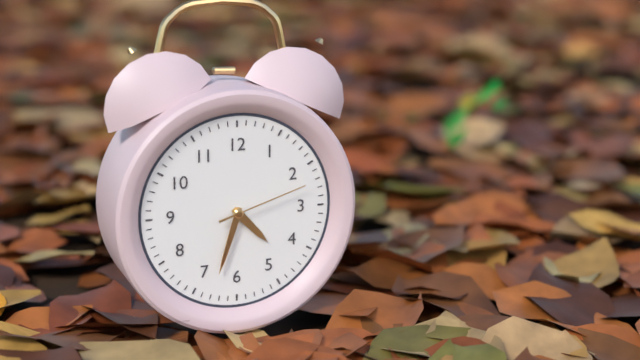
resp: 4h33m12s
